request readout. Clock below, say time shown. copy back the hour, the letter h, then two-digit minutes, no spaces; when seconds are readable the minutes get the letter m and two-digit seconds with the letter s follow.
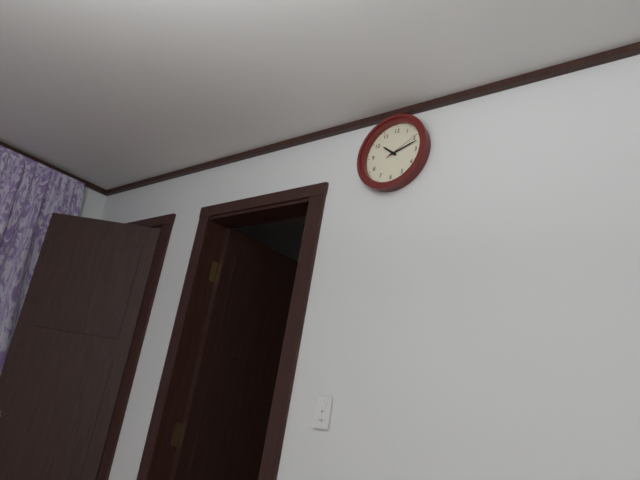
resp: 10h12
